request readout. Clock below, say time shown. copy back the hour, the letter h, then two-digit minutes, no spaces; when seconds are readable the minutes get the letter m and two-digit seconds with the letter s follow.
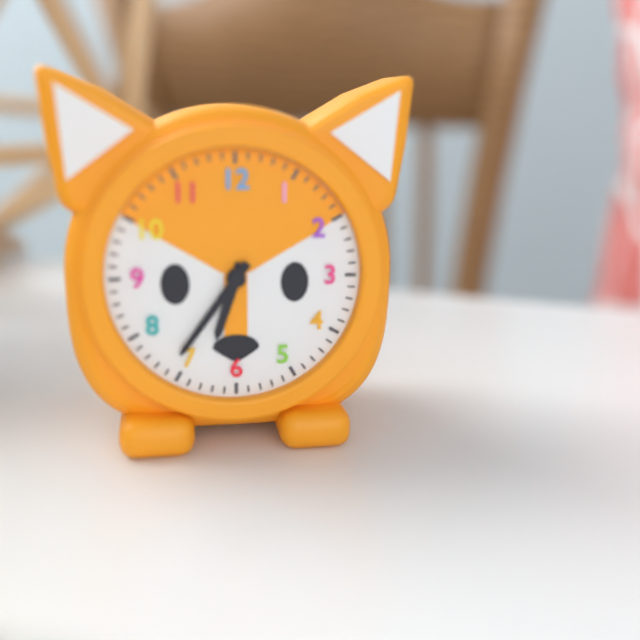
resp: 6h36
